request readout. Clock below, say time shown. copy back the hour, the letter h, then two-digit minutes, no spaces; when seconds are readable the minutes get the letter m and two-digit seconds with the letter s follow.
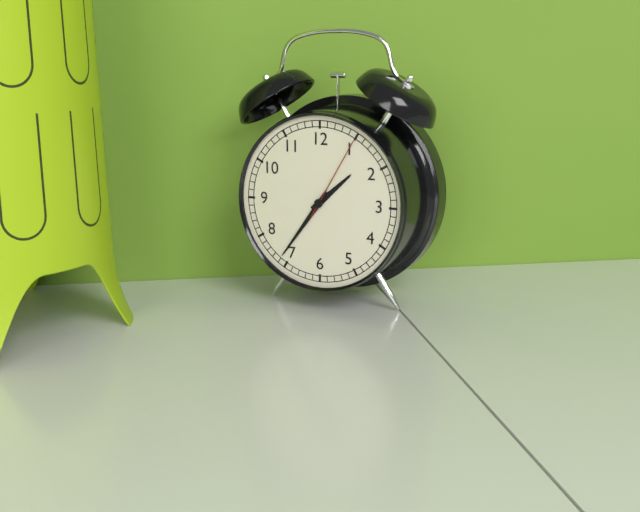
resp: 1h36m05s
